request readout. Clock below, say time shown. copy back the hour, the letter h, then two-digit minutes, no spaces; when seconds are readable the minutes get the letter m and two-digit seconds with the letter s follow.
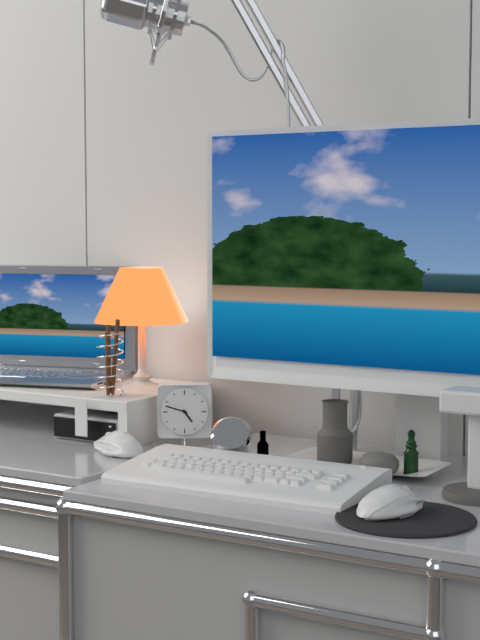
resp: 4h48
